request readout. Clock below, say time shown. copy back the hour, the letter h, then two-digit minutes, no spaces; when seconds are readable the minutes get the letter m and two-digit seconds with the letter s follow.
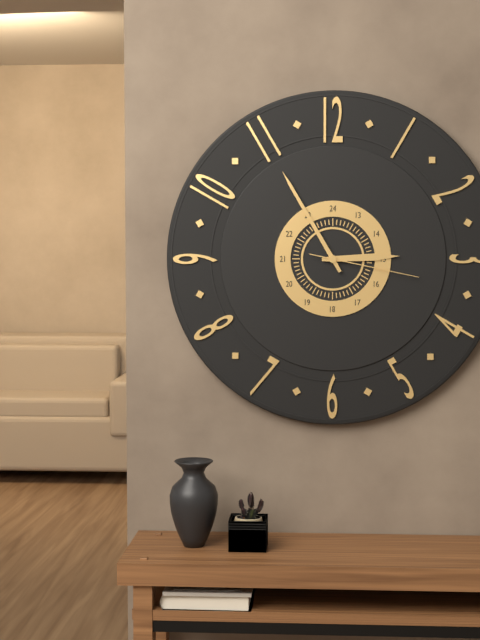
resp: 2h55m17s
